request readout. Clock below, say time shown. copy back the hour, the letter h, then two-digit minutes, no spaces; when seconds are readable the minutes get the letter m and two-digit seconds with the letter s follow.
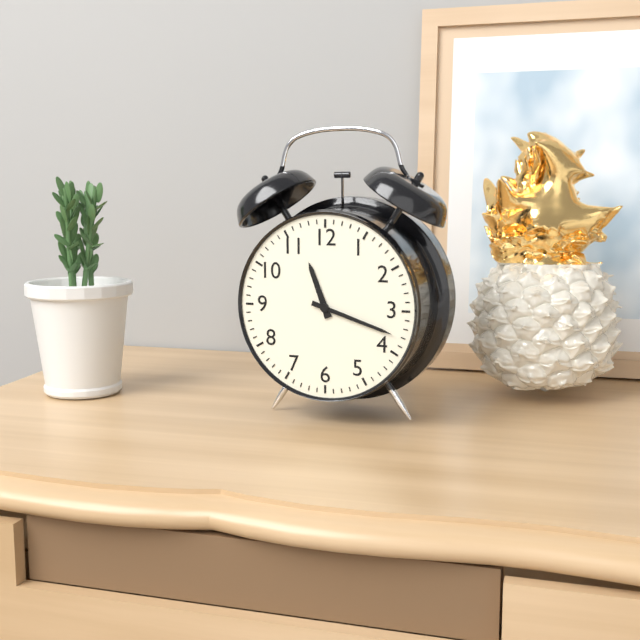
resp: 11h18
